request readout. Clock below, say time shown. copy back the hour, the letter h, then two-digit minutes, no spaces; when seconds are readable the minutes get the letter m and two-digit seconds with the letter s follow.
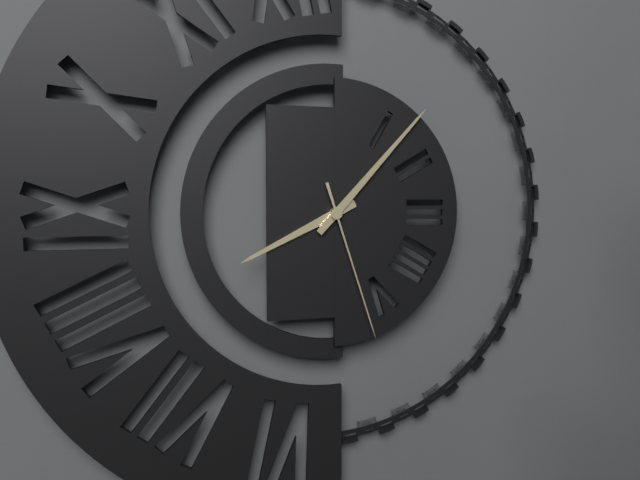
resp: 8h07m27s
